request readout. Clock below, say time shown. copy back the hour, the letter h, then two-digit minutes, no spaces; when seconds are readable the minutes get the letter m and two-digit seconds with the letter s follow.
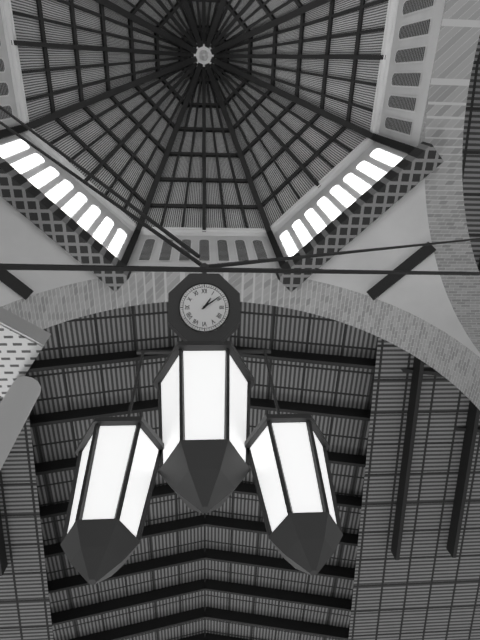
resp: 1h09
